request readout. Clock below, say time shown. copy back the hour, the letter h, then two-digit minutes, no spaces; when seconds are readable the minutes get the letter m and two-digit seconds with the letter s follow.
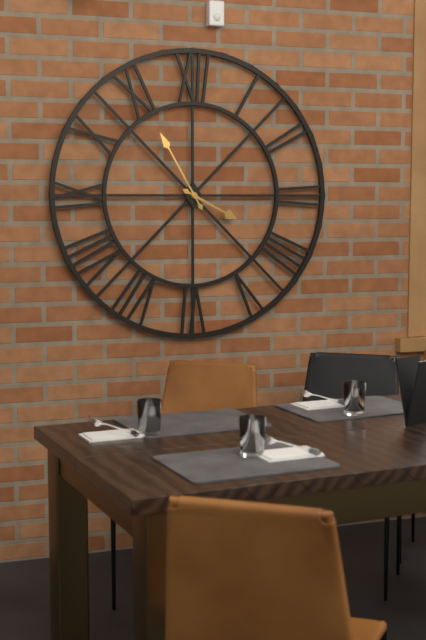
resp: 3h55
